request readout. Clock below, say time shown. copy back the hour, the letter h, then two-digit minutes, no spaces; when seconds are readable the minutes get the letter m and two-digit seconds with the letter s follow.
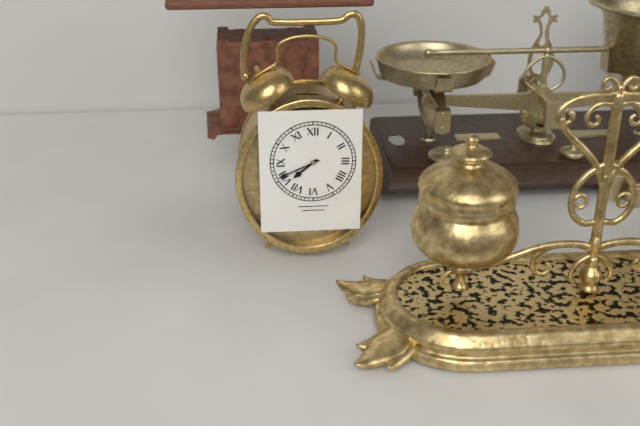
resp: 7h41
